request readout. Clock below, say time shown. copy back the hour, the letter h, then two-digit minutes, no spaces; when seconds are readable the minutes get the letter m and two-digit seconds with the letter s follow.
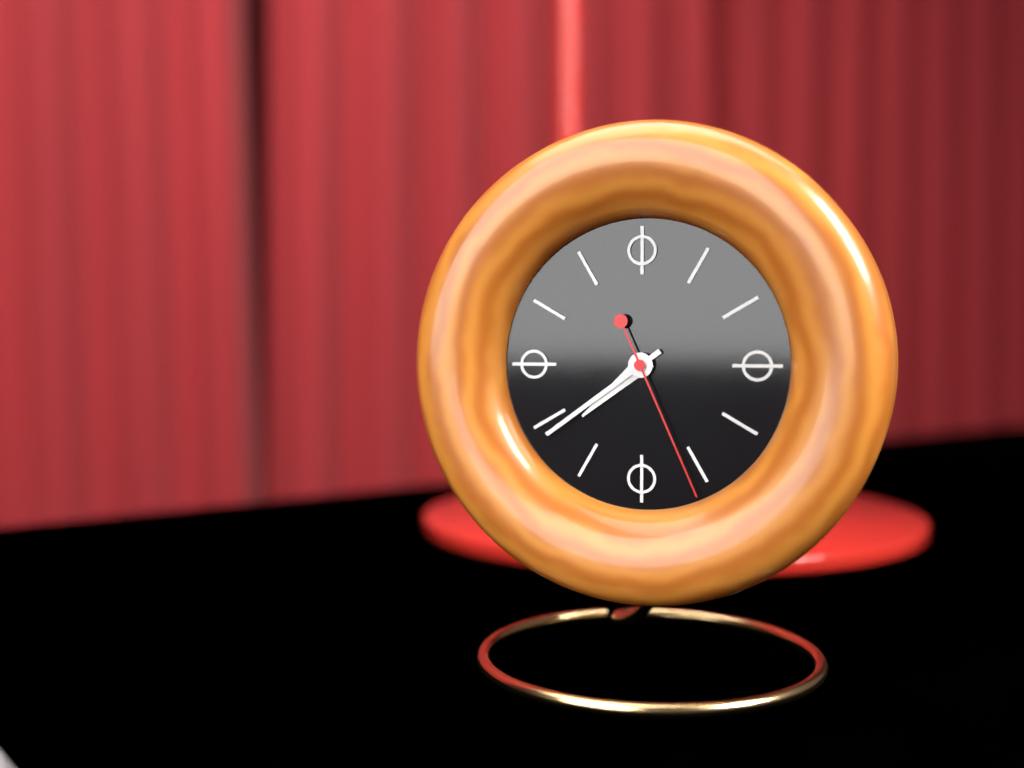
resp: 7h39m26s
